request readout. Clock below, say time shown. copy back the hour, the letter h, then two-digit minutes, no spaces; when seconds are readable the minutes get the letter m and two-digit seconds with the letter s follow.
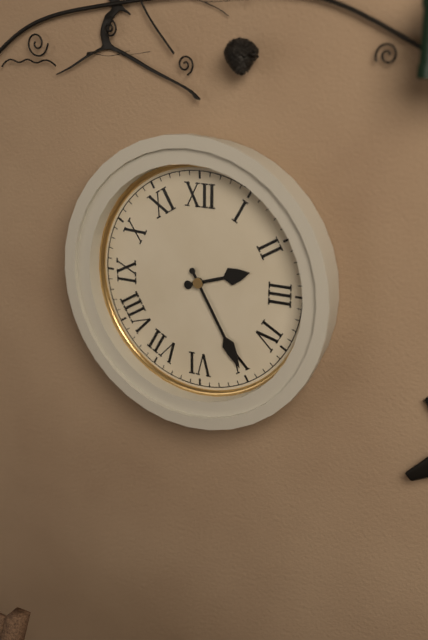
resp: 2h25
